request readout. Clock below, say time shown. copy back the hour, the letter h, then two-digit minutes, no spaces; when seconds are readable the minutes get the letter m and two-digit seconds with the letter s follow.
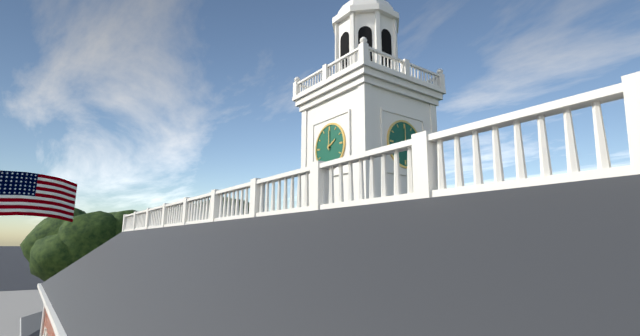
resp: 2h00
